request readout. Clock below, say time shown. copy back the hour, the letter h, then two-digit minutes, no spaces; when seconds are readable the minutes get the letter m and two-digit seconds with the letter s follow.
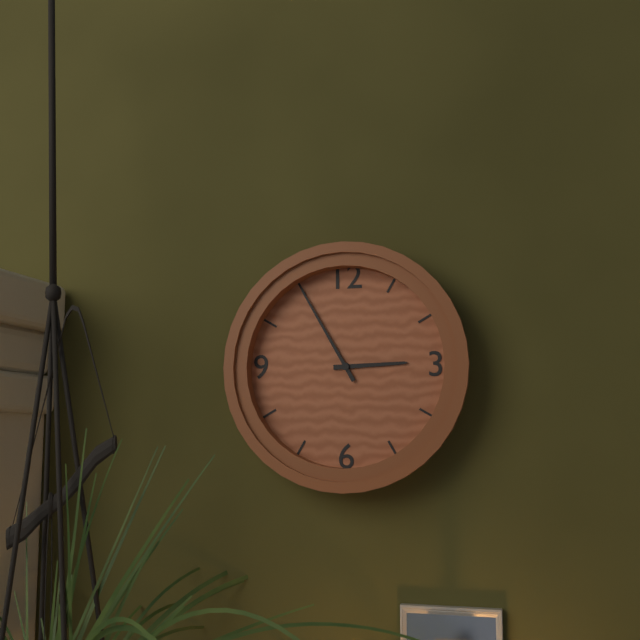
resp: 2h55
